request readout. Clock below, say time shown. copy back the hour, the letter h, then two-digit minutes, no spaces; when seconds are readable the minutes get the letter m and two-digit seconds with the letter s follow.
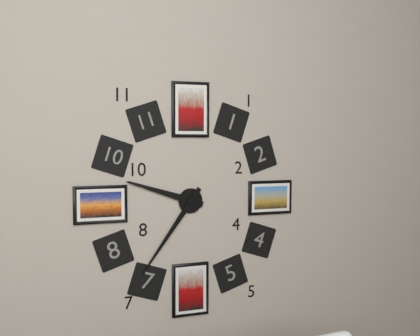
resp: 9h36
